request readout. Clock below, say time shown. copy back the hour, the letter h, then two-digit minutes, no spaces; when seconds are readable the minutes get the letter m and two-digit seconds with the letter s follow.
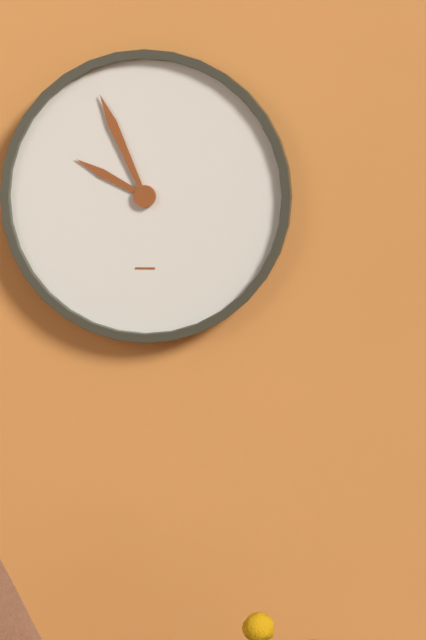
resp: 9h56
